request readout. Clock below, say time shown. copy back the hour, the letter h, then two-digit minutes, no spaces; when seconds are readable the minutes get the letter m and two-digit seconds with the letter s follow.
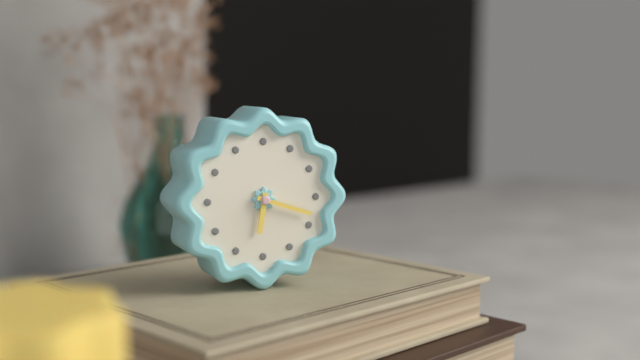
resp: 6h18
